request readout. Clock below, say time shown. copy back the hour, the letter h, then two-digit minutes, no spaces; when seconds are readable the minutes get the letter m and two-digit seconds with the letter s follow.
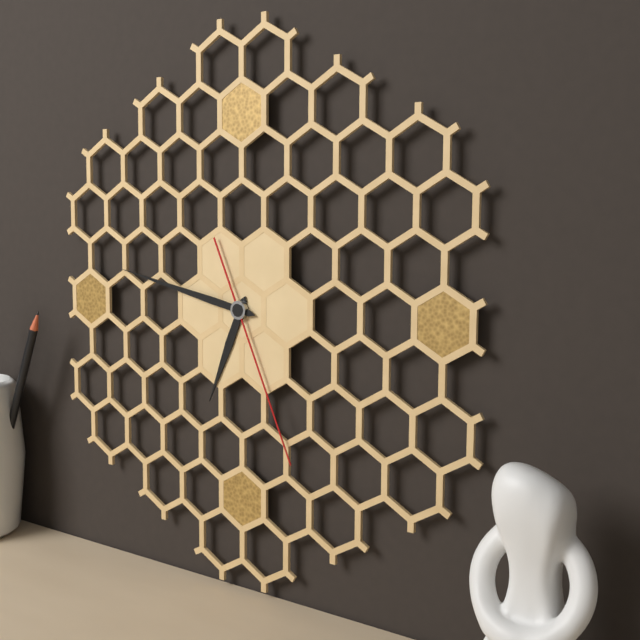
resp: 6h47m26s
